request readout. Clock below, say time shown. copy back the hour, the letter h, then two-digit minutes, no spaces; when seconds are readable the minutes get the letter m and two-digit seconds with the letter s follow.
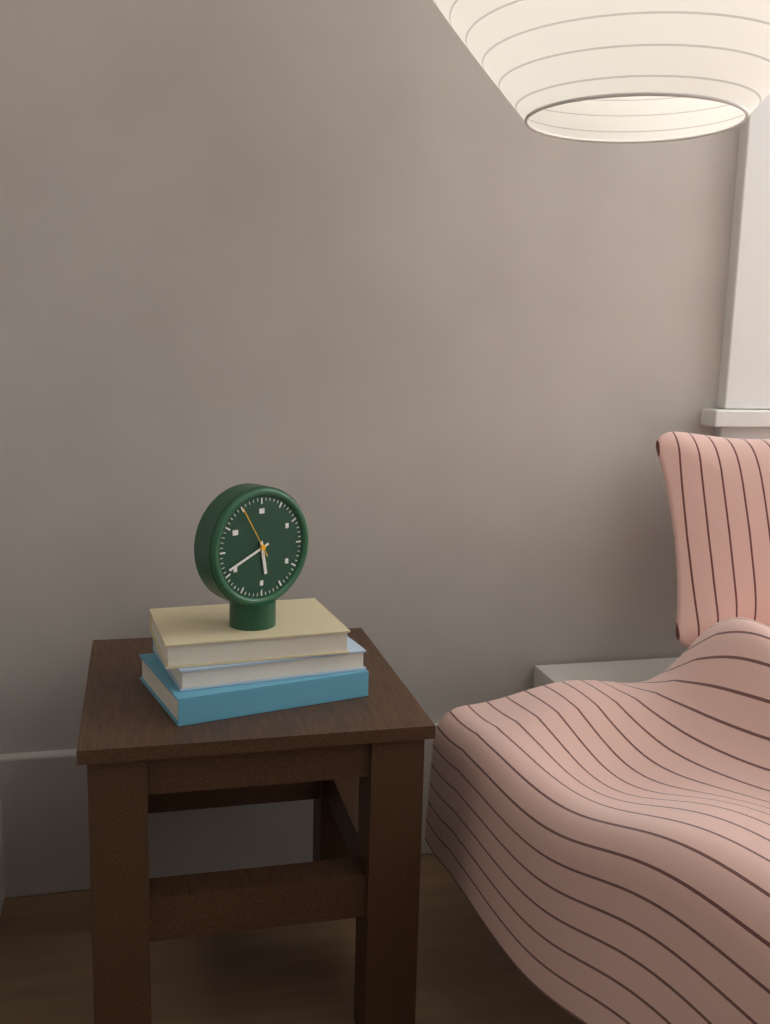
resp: 5h41m55s
